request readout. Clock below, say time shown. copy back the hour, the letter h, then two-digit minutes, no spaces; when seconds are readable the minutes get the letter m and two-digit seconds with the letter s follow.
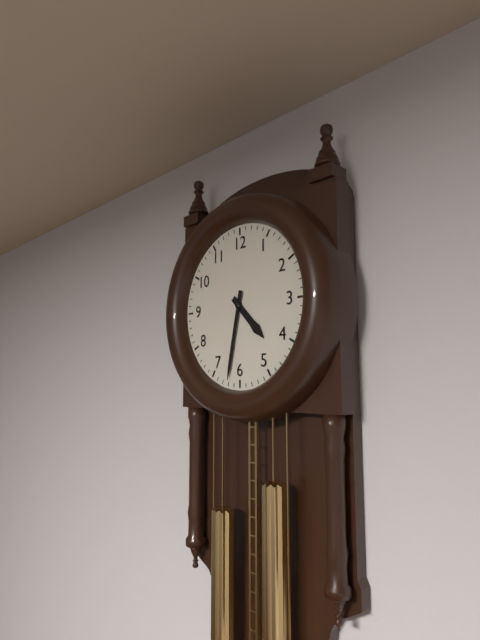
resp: 4h32
